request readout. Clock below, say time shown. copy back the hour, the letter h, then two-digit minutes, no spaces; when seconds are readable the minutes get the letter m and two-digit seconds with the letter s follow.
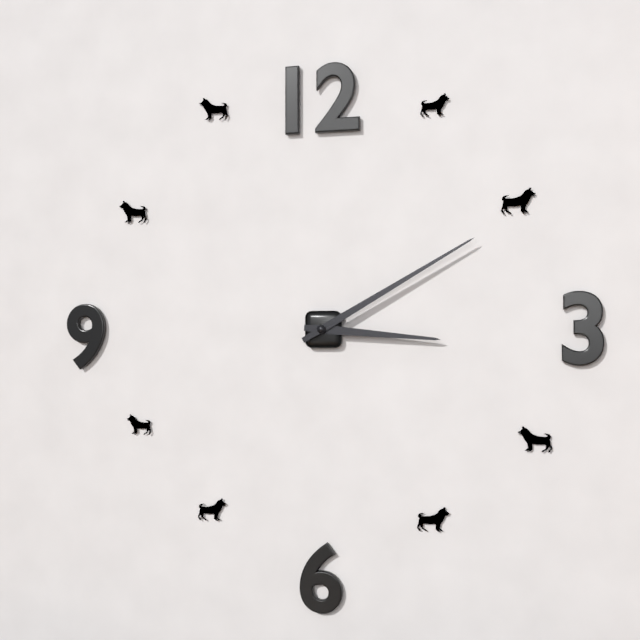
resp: 3h10
